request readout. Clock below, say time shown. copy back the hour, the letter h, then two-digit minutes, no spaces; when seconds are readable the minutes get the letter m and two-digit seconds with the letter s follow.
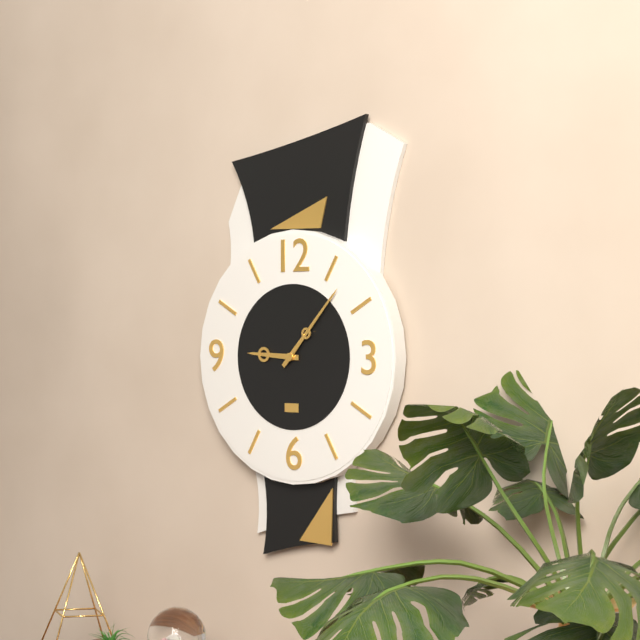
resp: 9h07
